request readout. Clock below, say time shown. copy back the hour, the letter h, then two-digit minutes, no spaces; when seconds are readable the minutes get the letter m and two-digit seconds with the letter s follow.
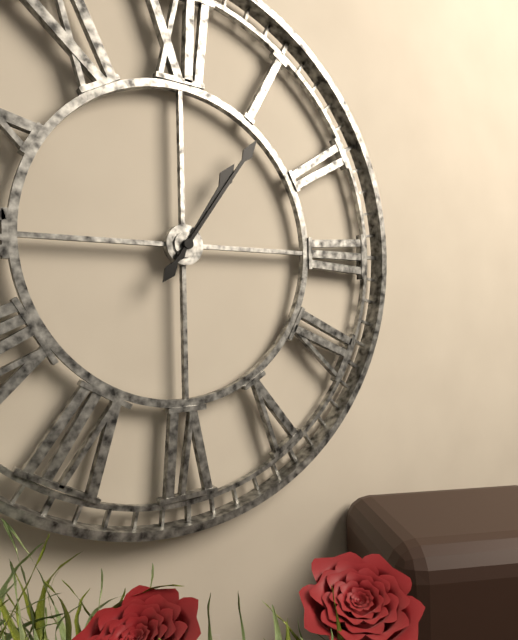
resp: 1h06
